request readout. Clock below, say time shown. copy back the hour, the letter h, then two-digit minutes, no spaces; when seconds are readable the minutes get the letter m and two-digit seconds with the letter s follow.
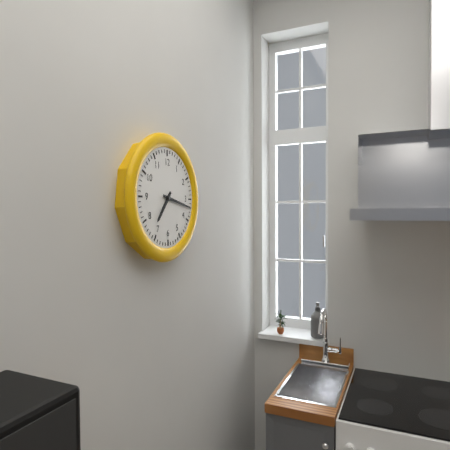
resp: 7h17
